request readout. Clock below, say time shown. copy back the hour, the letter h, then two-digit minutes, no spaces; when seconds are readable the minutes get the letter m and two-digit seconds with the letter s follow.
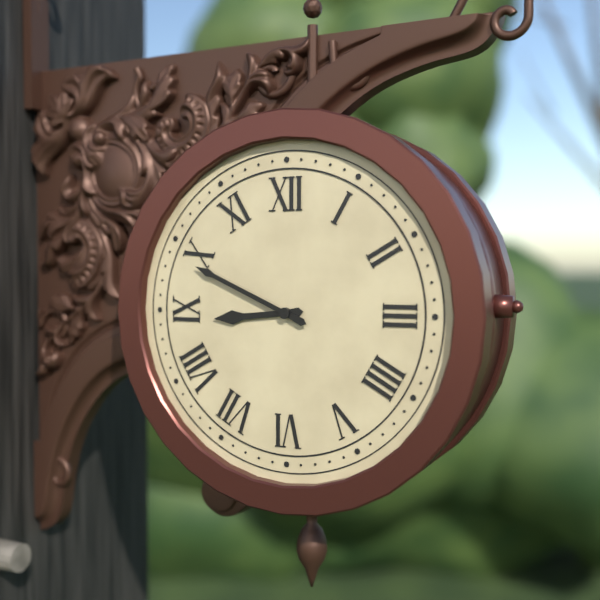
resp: 8h49
